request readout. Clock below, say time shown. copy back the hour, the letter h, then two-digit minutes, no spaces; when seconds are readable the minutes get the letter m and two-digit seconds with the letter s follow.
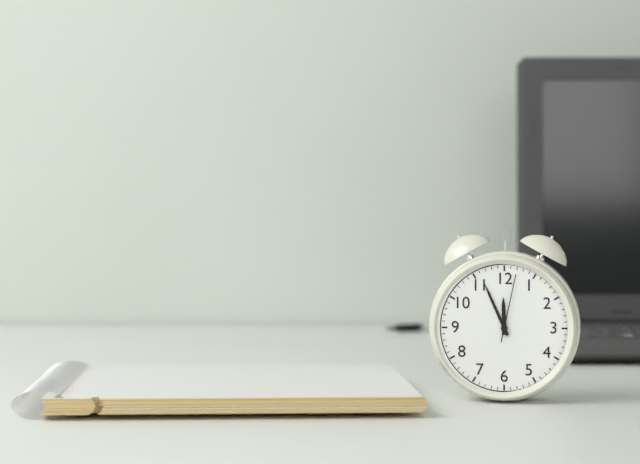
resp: 11h56m02s
